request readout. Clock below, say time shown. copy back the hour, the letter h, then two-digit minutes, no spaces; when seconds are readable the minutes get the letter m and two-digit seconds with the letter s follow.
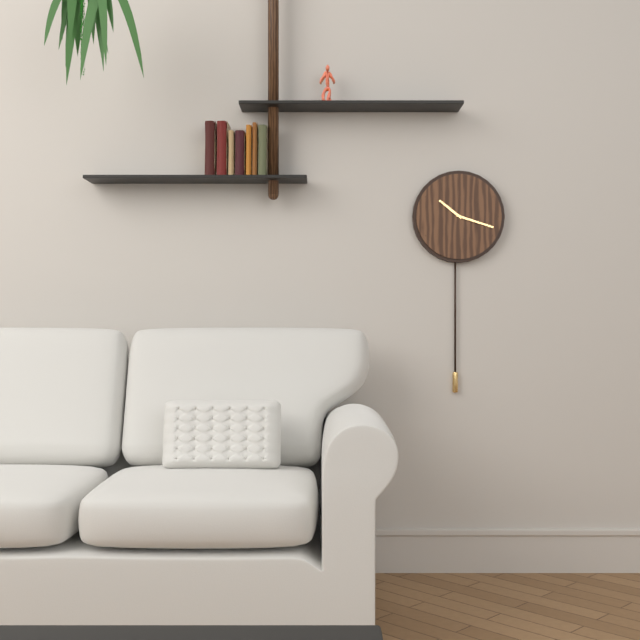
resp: 10h18
